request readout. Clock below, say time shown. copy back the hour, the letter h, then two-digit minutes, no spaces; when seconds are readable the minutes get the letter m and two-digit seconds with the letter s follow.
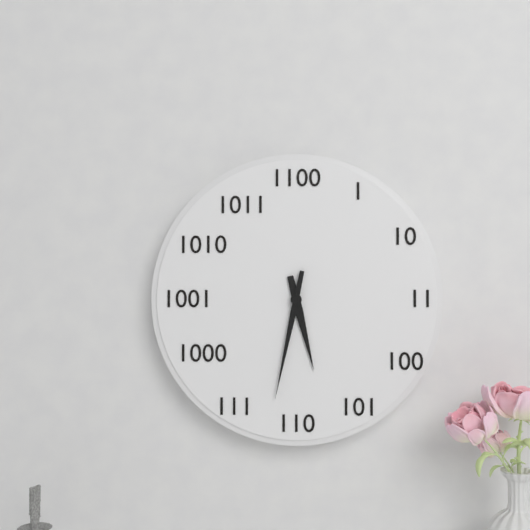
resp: 5h32
